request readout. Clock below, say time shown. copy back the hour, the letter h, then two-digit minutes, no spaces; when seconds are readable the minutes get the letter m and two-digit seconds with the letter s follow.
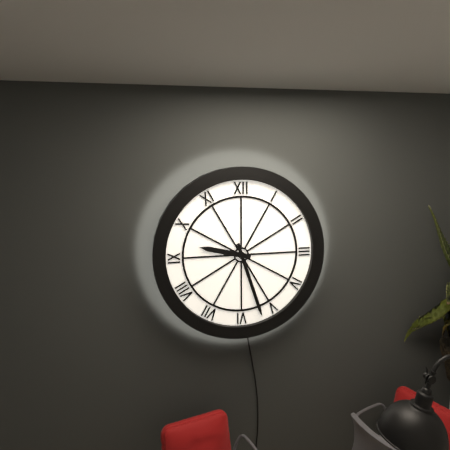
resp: 9h27
